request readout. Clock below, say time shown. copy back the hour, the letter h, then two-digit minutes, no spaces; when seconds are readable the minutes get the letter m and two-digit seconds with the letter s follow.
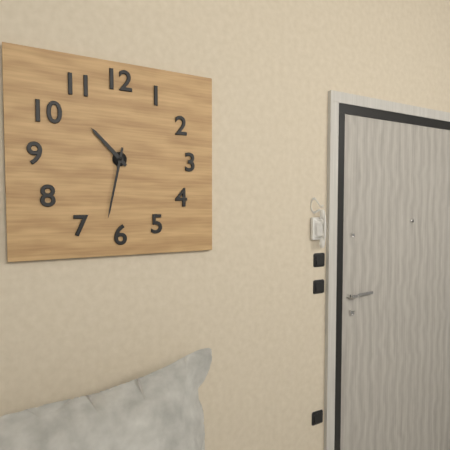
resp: 10h32
